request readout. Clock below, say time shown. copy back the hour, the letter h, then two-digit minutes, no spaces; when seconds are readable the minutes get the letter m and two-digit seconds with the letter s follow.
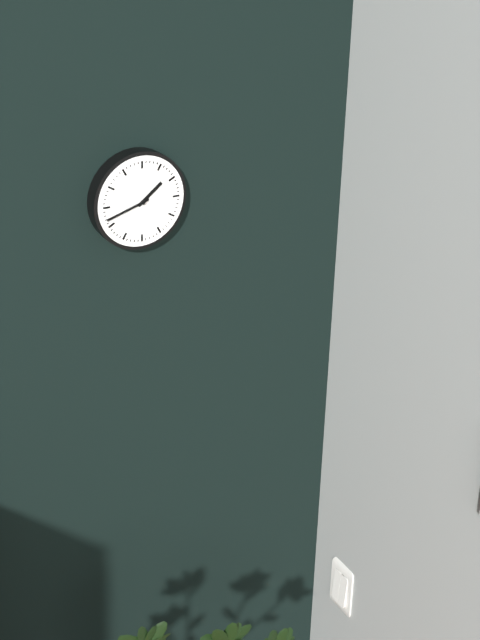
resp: 1h42
